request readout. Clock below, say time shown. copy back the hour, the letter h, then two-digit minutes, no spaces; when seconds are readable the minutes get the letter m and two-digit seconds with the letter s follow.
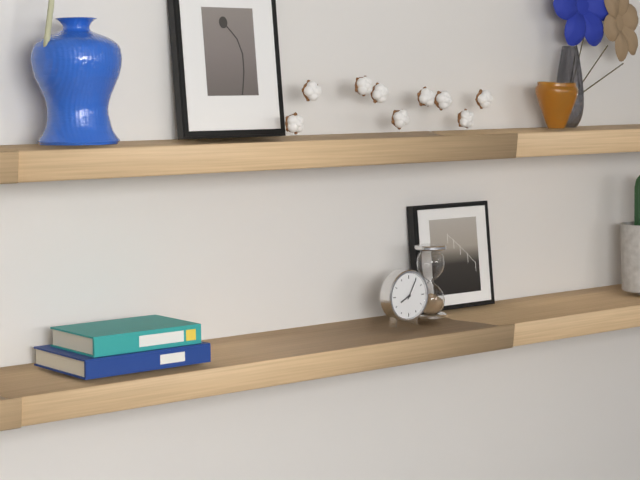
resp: 8h05
